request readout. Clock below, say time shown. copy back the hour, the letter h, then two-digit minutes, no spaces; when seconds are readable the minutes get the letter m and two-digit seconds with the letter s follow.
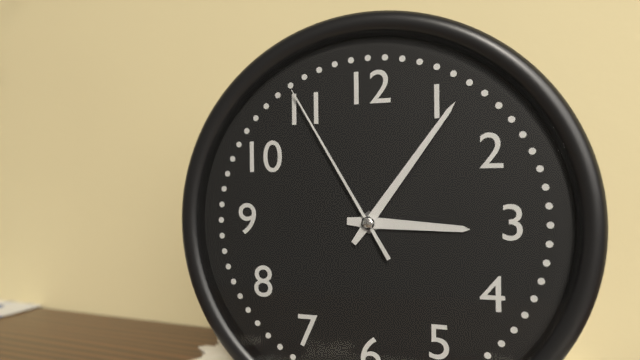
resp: 3h06m55s
